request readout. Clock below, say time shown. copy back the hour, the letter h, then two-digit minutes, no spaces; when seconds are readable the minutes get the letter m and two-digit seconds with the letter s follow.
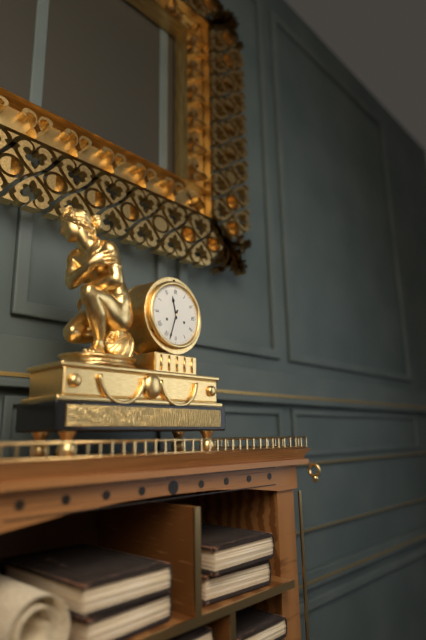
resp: 11h33
